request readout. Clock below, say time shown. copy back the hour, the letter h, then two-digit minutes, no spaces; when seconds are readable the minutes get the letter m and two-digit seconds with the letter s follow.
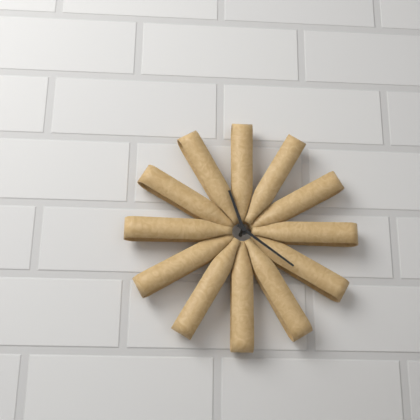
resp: 11h21
